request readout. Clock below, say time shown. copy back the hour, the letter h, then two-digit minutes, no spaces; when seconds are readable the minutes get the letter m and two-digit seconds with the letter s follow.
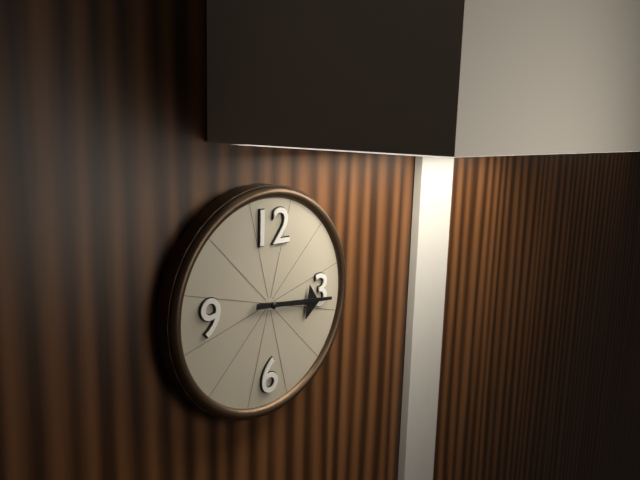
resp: 3h16
